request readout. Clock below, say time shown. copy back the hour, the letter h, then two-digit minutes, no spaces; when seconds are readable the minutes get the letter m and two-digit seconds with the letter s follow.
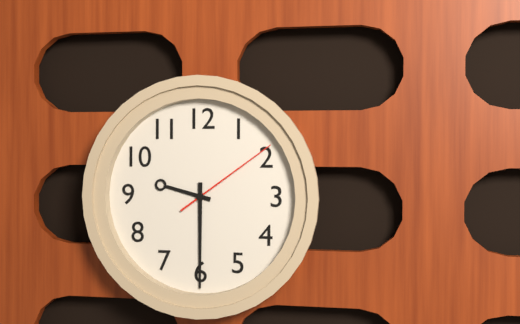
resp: 9h30m09s
